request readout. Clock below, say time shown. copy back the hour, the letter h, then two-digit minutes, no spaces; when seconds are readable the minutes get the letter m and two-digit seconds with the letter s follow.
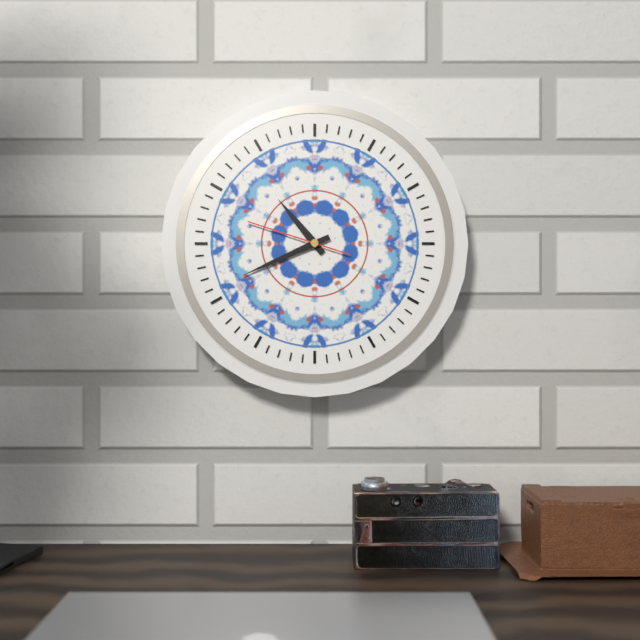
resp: 10h41m48s
